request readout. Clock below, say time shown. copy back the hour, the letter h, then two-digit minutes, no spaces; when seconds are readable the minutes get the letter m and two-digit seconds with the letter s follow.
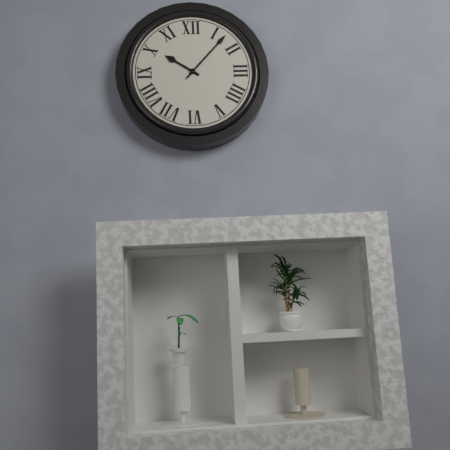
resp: 10h07
